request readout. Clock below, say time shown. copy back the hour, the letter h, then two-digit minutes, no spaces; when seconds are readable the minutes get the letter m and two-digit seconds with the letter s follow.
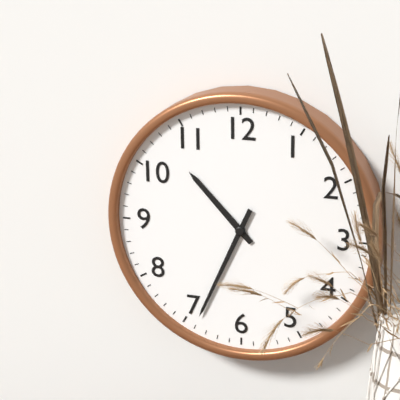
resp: 10h34
